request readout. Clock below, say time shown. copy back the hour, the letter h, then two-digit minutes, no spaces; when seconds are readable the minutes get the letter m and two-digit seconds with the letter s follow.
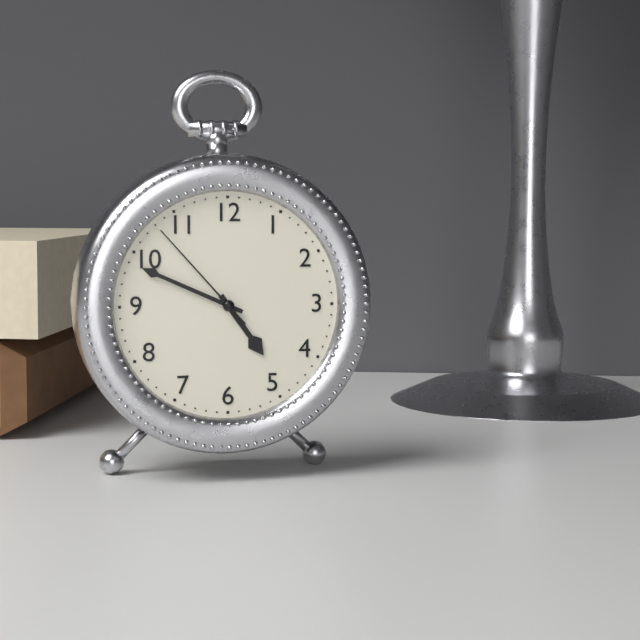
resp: 4h49m53s
